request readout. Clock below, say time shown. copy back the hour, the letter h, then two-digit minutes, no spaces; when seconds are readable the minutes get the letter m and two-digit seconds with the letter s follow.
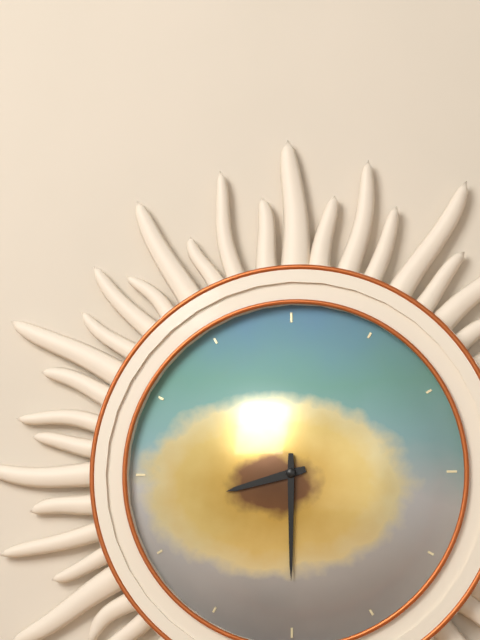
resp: 8h30
